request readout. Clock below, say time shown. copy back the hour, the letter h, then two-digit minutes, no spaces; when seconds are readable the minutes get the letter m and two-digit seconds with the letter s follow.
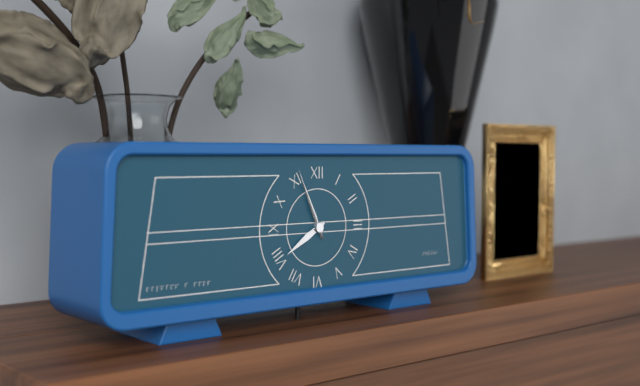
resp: 7h56
